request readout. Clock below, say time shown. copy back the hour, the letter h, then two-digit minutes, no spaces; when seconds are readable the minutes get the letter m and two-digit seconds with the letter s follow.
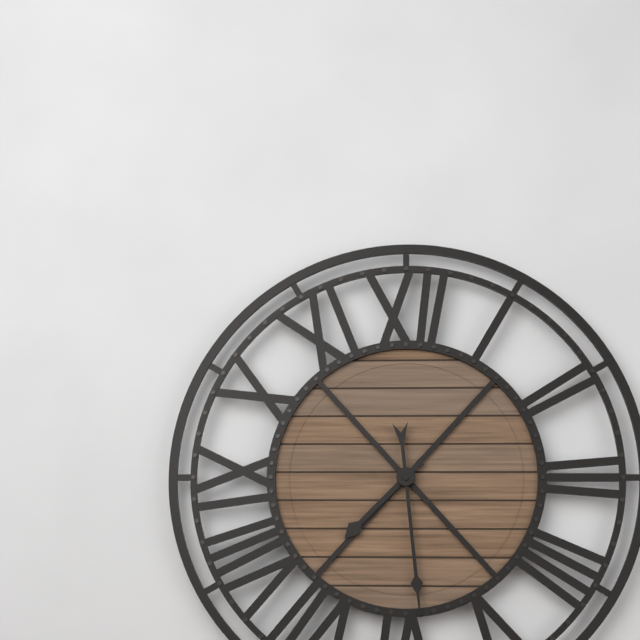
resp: 7h29
